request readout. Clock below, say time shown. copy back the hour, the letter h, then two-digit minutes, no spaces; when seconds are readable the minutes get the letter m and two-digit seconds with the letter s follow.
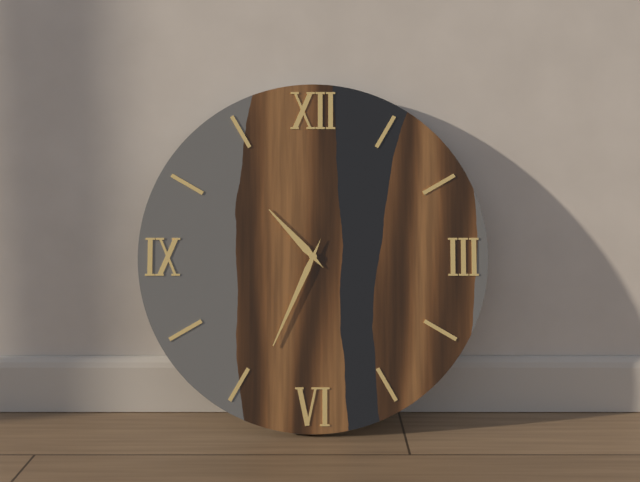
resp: 10h34
